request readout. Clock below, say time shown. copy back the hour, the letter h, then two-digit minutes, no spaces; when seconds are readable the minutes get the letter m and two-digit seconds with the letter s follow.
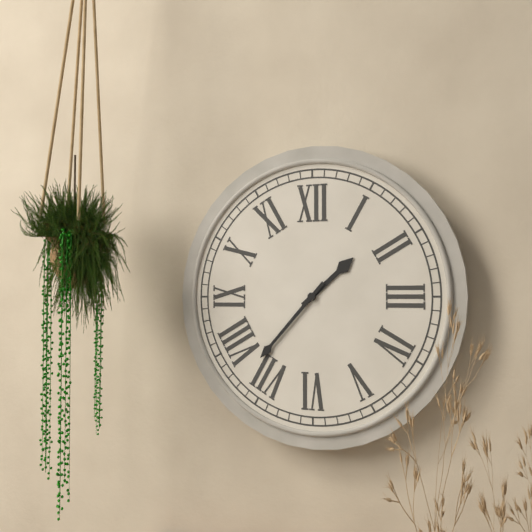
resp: 1h37
